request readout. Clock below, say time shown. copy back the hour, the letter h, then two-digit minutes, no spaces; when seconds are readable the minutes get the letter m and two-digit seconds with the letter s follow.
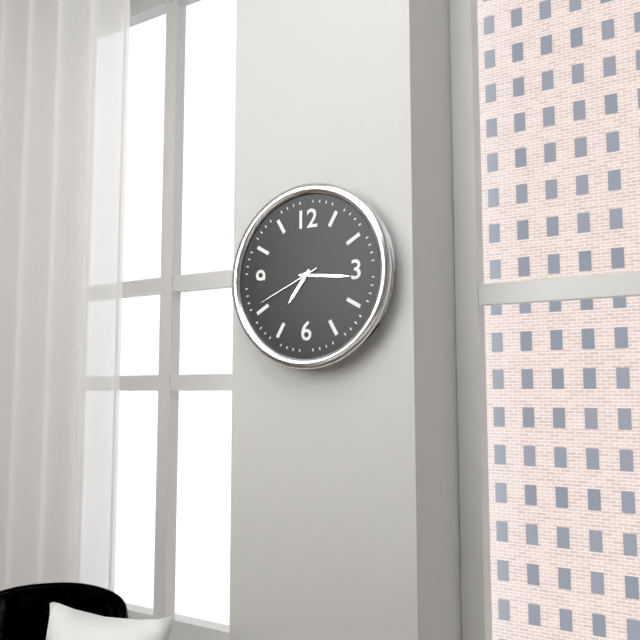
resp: 7h16m41s
